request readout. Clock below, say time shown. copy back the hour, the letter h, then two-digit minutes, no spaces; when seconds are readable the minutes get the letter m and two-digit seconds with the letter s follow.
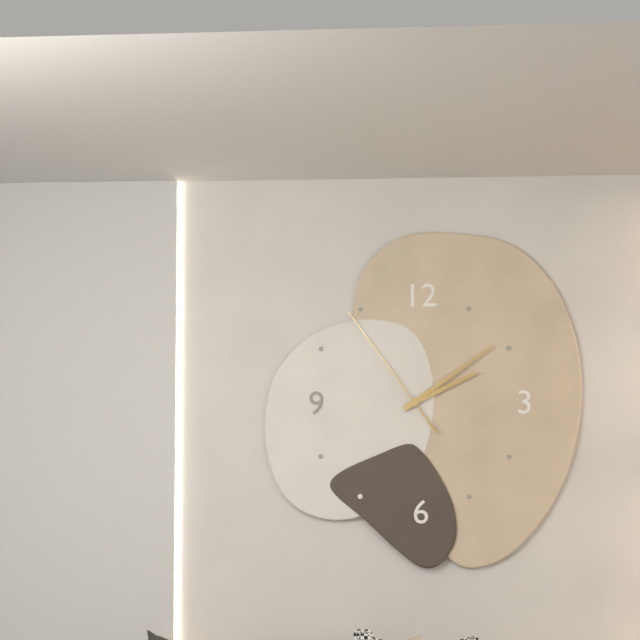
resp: 2h09m54s
